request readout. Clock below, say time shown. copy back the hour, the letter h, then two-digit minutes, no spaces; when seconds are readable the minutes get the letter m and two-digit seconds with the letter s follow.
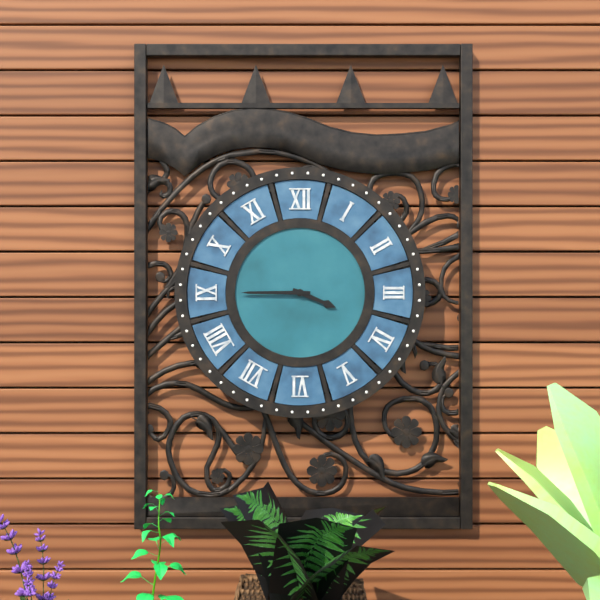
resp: 3h45
